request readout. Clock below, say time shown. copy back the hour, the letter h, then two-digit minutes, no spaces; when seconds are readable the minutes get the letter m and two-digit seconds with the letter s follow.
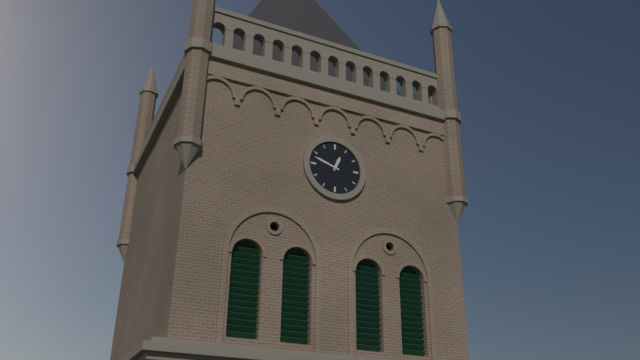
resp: 12h48
